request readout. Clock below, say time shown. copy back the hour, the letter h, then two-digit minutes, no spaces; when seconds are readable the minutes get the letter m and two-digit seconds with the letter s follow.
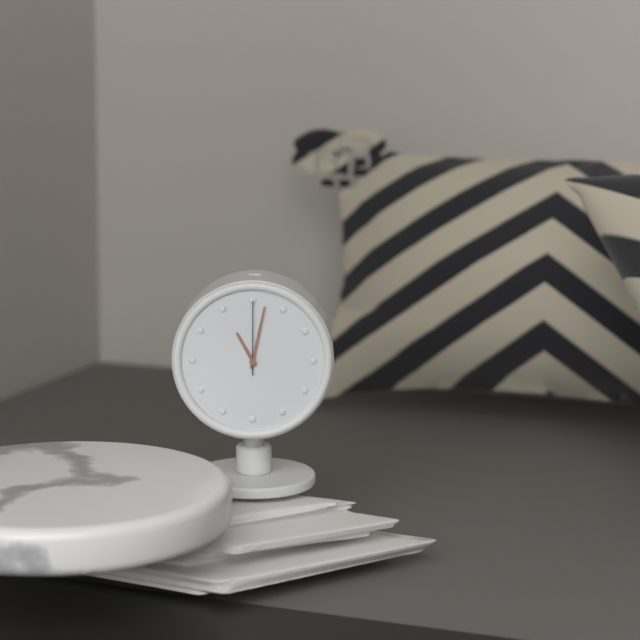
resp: 11h02m00s
